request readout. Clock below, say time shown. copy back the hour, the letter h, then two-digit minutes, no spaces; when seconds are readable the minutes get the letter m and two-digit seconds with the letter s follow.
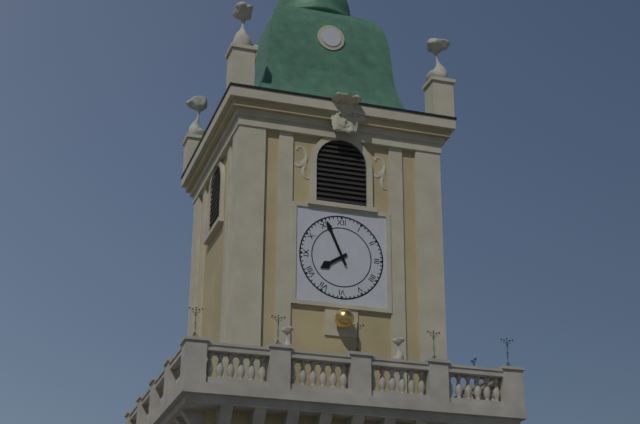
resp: 7h56
